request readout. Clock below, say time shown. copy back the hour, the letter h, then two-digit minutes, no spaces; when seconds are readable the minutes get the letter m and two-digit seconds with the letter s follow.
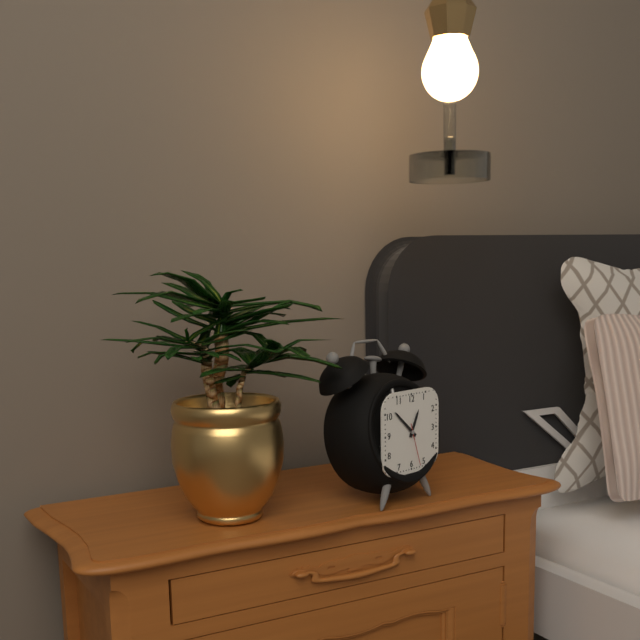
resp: 12h52
